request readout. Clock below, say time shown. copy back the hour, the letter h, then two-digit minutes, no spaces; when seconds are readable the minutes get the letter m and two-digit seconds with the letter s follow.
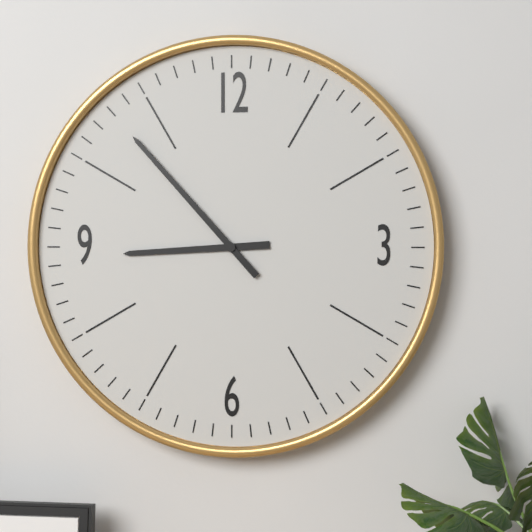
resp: 8h53
